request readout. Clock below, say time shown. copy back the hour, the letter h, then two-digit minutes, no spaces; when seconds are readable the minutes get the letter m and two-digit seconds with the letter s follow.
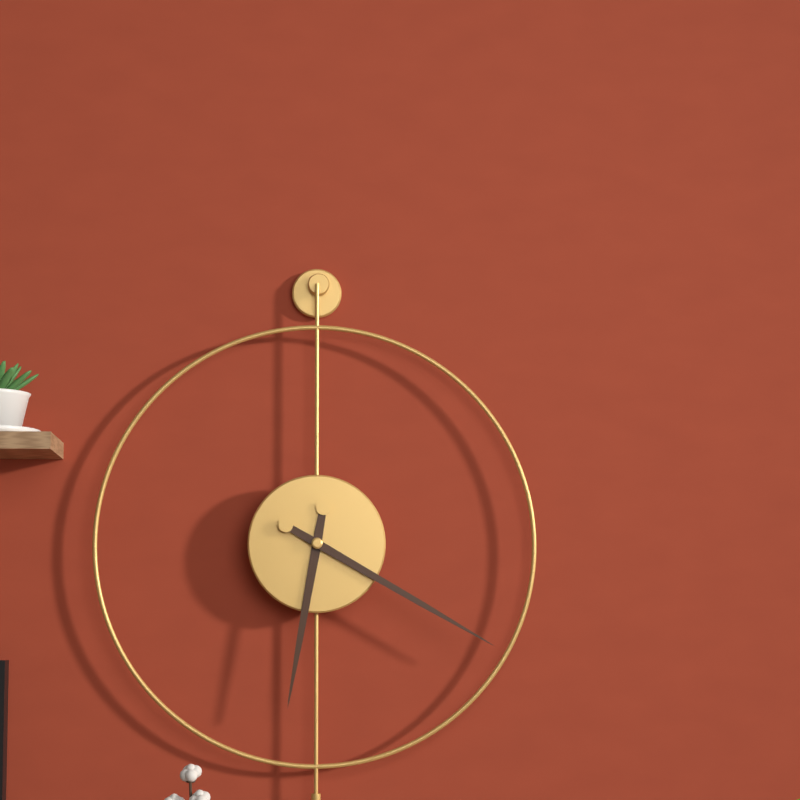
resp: 6h20
